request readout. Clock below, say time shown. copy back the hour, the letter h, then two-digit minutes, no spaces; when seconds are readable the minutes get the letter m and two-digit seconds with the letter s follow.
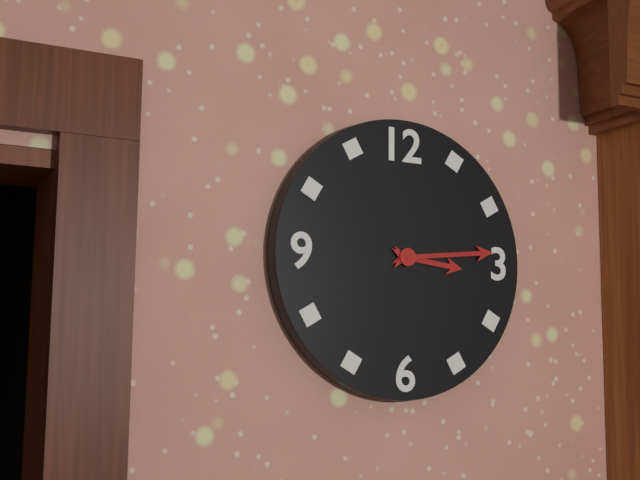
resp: 3h14
